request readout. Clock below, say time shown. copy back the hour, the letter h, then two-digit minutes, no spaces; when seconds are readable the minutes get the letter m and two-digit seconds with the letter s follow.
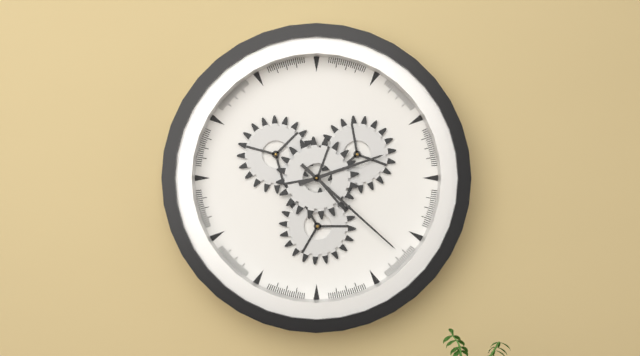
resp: 2h22
